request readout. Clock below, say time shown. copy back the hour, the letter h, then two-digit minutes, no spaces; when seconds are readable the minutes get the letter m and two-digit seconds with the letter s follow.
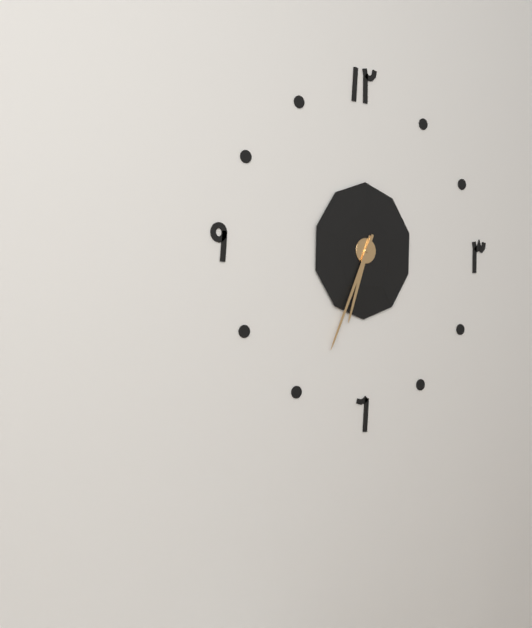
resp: 6h34
